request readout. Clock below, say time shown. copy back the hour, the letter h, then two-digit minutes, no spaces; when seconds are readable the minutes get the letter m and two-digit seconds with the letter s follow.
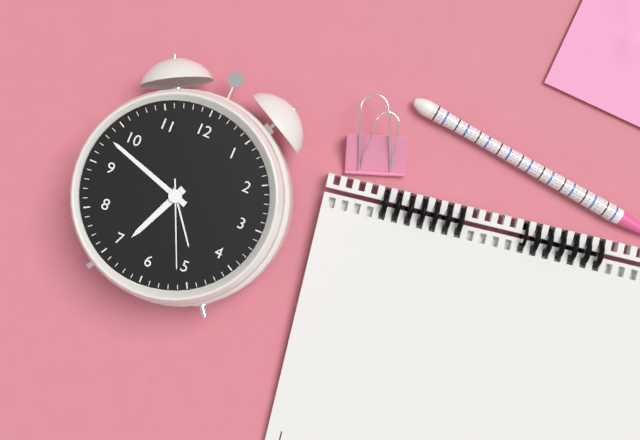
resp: 6h48m26s
